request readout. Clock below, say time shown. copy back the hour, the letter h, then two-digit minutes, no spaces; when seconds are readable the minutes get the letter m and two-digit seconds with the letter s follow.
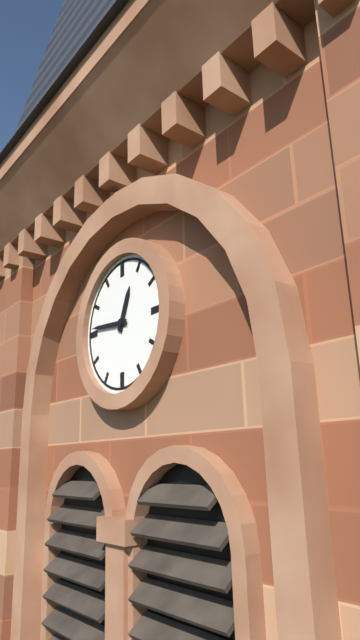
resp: 12h46
